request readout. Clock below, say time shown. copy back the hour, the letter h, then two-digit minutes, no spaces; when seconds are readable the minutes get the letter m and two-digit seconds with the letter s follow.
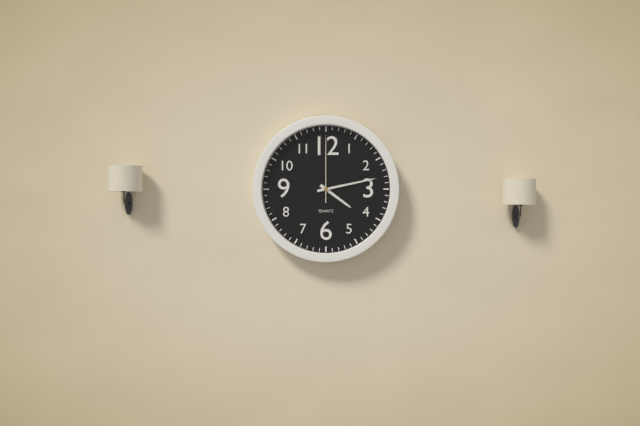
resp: 4h13m00s
